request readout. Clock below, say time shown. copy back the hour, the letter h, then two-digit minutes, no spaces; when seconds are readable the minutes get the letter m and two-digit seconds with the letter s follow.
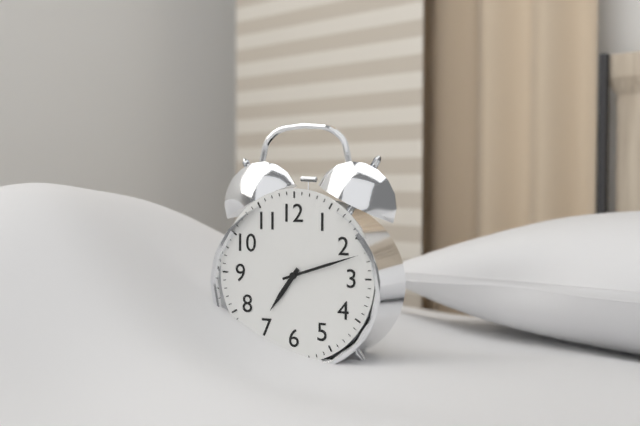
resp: 7h12
